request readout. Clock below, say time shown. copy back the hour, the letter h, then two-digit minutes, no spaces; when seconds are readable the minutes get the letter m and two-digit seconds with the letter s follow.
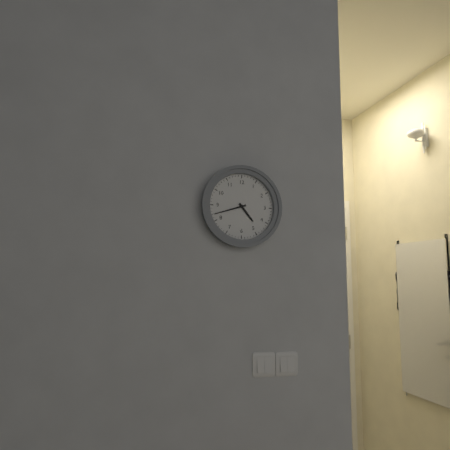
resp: 4h42
